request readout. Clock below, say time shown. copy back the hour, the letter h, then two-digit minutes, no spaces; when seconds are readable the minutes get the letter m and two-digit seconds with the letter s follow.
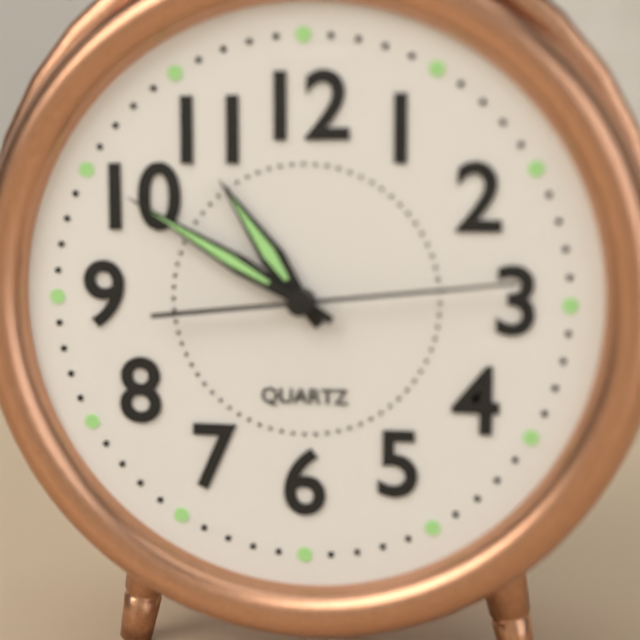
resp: 10h50m14s
